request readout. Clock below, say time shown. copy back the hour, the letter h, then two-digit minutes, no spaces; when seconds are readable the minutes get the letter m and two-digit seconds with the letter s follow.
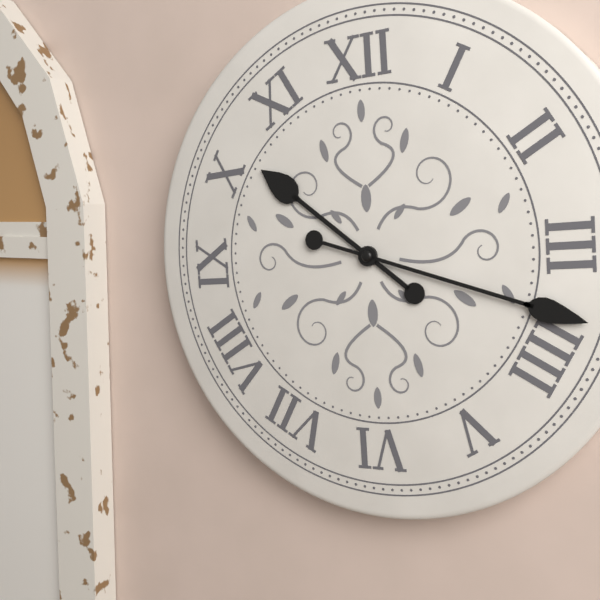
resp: 10h18
